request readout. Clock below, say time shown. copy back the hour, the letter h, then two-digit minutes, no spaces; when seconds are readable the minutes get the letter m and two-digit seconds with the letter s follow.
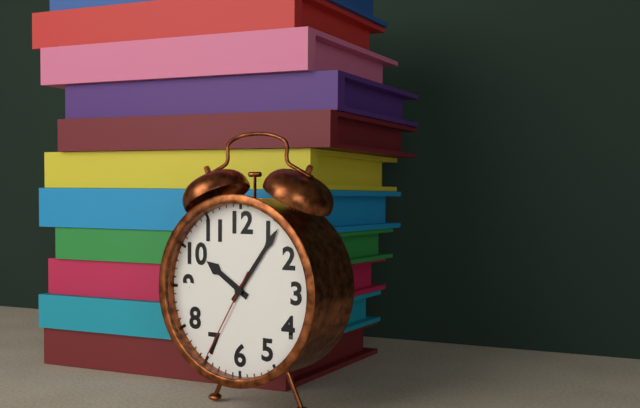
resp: 10h06m35s
